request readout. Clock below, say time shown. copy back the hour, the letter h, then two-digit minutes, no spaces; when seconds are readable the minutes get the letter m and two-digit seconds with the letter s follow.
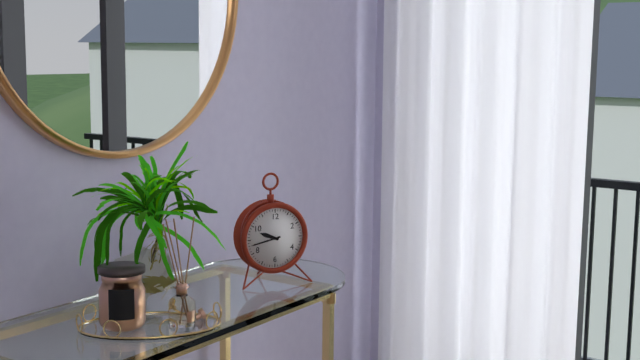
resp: 9h43
